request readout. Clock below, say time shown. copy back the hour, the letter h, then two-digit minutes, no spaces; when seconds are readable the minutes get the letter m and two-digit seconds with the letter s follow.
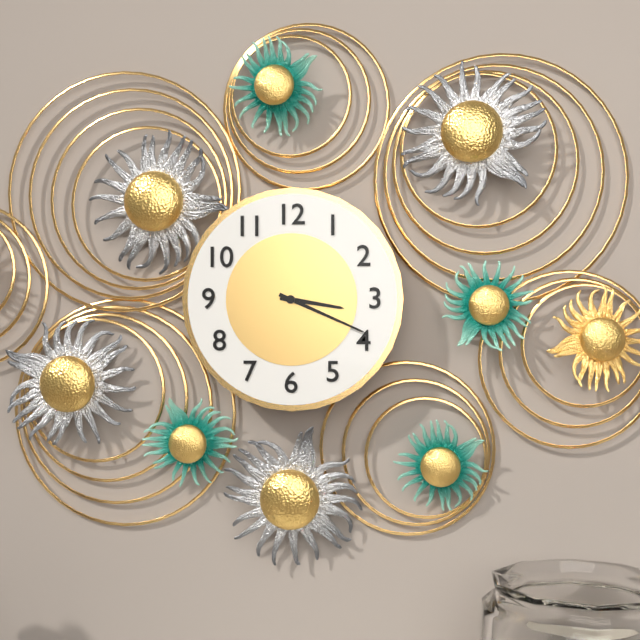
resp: 3h19
